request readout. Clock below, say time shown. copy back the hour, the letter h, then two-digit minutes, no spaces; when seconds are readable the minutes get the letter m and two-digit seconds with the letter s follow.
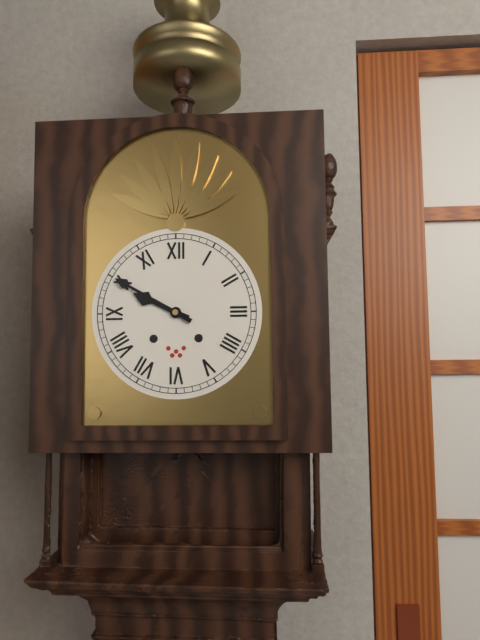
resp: 9h50
